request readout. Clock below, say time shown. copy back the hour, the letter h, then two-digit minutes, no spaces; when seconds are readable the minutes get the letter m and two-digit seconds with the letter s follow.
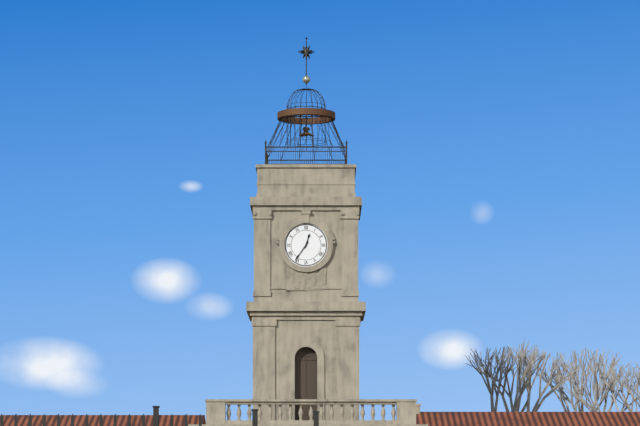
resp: 12h36
